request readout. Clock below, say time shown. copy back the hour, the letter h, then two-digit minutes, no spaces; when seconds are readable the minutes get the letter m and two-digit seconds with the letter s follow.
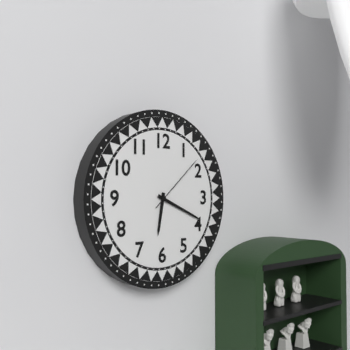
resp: 6h19m08s
